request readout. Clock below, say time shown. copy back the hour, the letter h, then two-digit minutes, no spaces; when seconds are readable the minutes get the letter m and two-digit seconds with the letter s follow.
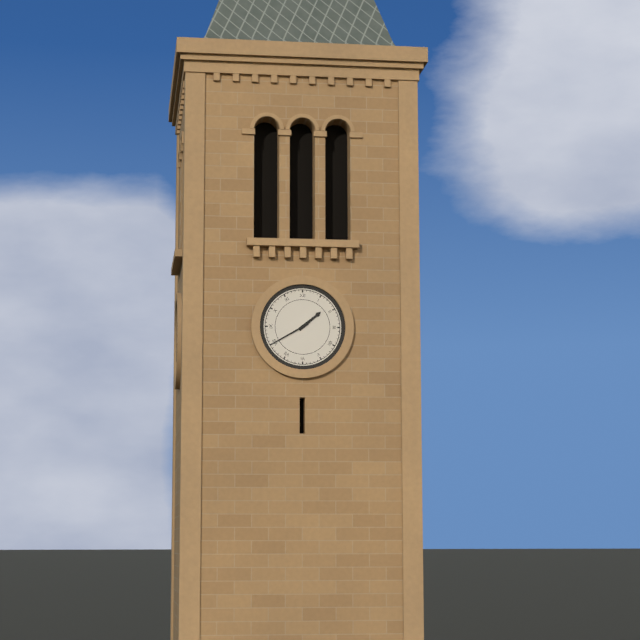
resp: 1h40
